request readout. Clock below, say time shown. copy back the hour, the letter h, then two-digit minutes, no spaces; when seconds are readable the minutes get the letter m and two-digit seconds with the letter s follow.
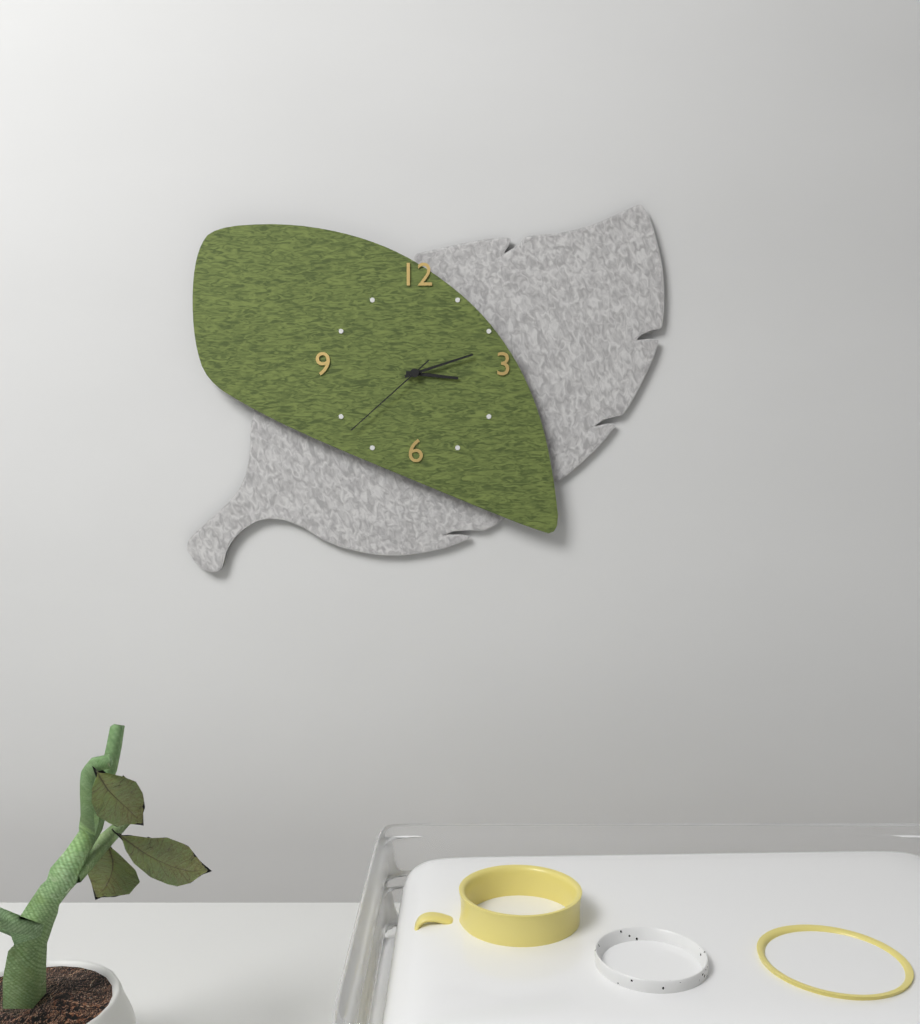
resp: 3h12m38s
